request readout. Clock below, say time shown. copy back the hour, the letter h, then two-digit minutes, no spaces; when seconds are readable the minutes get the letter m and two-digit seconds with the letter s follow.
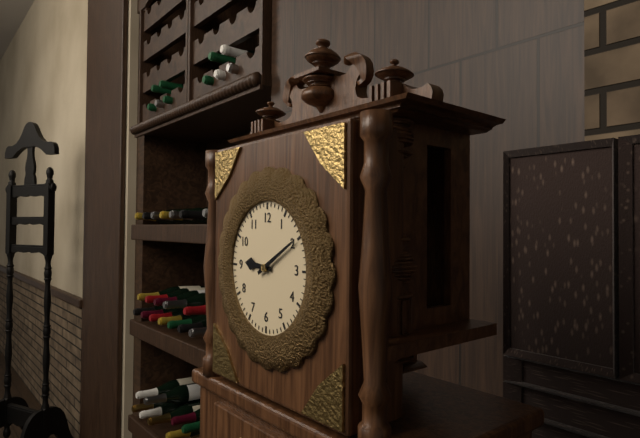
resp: 9h10
